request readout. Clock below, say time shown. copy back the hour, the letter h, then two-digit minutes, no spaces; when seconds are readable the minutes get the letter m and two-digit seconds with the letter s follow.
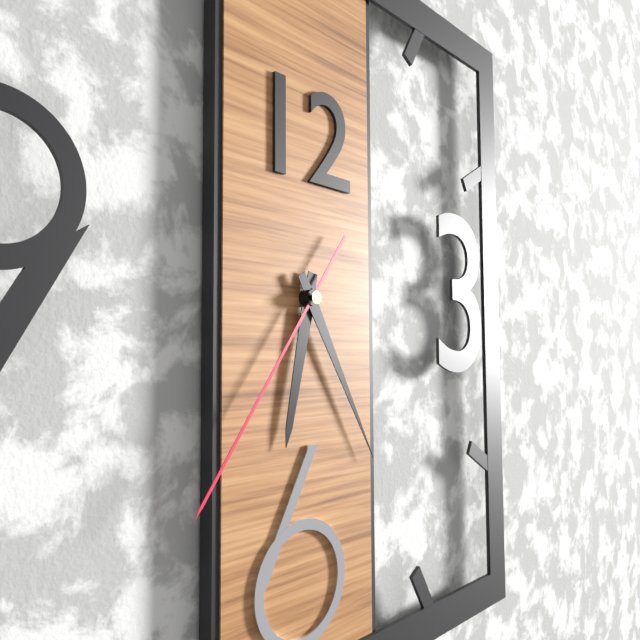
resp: 6h25m36s
